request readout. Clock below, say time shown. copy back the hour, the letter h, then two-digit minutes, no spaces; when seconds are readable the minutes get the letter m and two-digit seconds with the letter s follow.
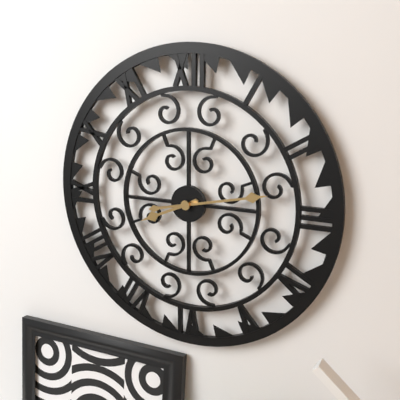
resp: 8h13
